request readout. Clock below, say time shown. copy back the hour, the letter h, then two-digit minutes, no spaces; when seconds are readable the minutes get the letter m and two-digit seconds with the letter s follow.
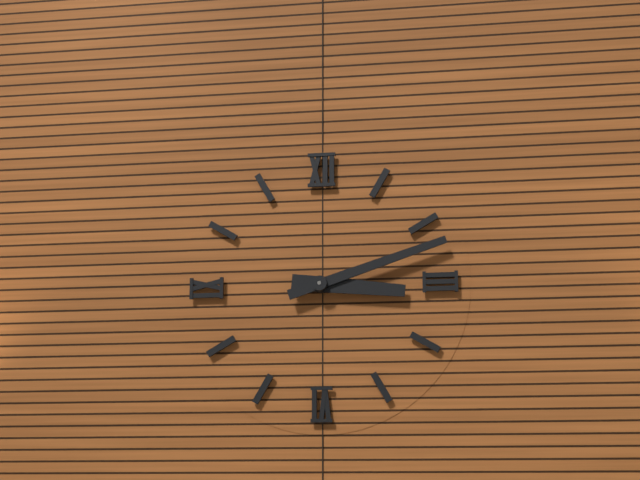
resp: 3h12
